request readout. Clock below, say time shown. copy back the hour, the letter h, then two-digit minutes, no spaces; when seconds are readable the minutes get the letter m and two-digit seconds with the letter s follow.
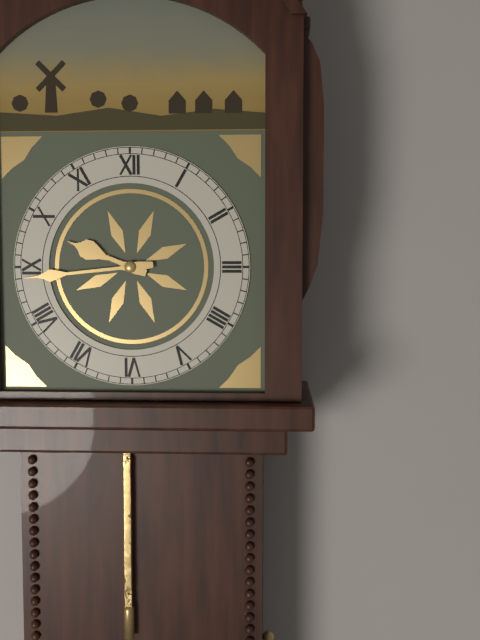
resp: 9h44
